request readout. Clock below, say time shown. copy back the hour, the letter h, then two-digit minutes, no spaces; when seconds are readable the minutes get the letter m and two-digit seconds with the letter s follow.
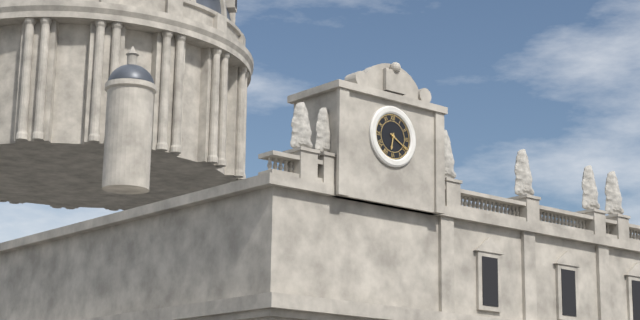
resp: 6h20
